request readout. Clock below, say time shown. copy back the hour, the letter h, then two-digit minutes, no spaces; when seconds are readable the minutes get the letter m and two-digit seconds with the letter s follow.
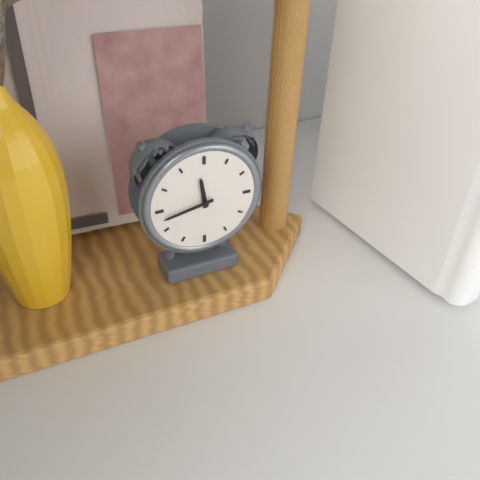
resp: 11h43
